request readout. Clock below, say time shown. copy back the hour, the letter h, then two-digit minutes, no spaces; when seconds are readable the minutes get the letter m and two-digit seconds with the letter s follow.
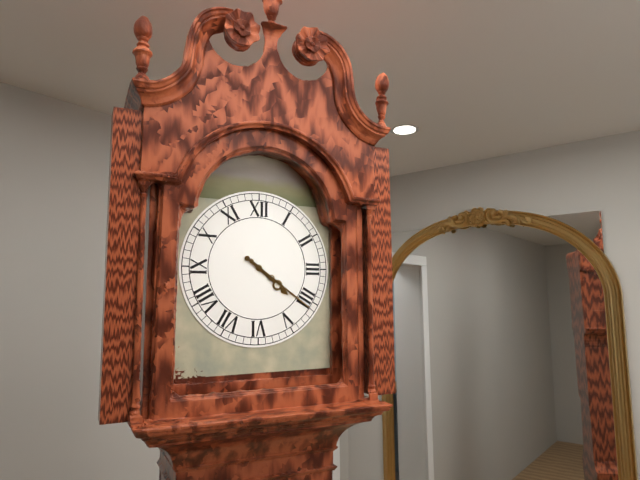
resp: 4h21
